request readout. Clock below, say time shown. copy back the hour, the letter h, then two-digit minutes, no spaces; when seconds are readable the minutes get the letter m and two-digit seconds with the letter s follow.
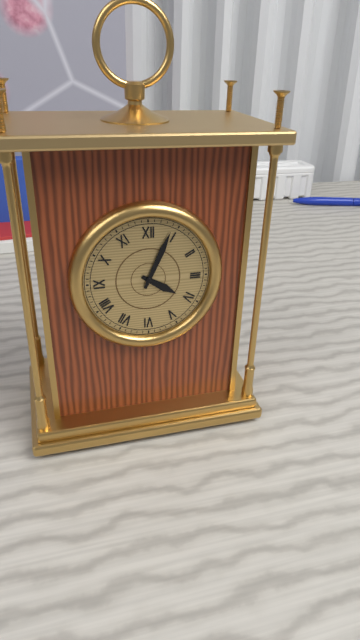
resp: 4h04
